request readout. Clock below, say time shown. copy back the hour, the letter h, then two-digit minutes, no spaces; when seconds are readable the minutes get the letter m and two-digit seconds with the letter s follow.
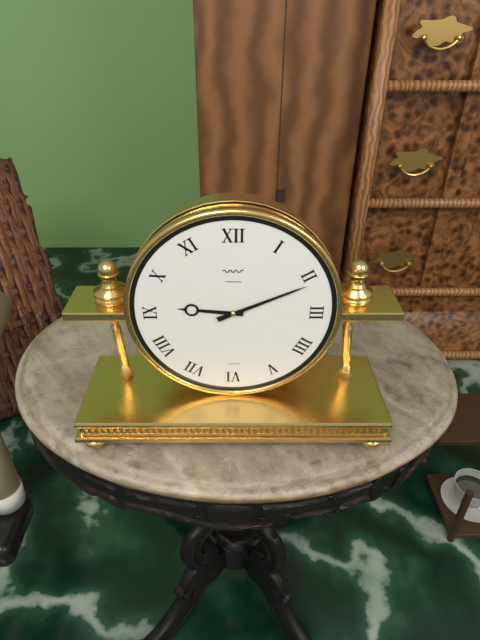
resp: 9h11
